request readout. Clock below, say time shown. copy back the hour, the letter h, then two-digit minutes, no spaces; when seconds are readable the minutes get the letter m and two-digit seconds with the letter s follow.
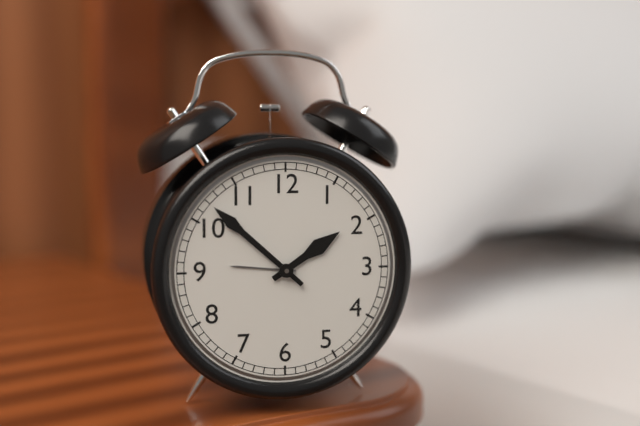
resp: 1h52
